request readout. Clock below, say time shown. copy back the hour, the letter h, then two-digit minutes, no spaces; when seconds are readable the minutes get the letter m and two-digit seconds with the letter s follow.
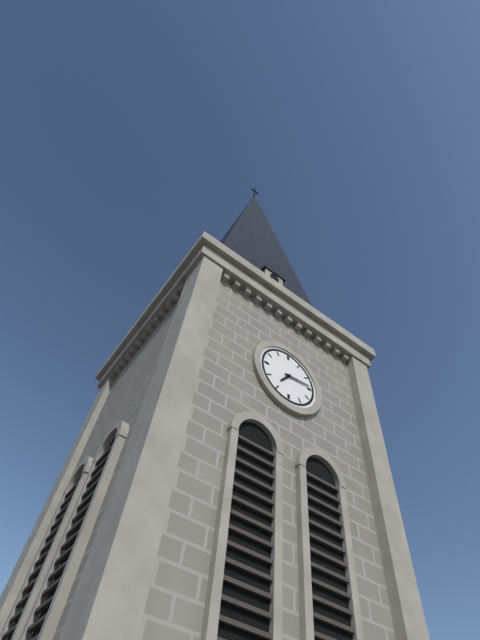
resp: 7h14
